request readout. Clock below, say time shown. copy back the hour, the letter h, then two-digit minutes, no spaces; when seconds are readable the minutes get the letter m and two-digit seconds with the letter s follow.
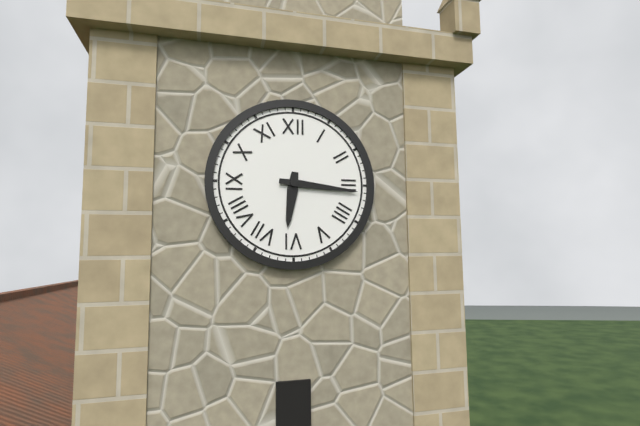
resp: 6h16
